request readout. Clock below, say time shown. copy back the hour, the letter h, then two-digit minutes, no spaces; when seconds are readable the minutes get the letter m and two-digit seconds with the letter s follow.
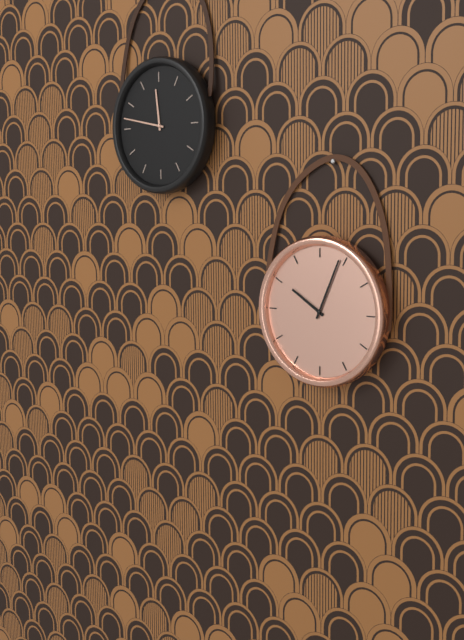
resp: 10h04
